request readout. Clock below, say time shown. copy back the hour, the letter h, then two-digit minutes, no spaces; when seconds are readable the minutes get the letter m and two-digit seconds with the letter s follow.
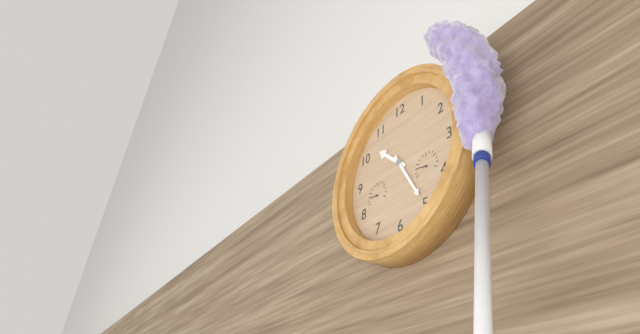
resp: 10h25
